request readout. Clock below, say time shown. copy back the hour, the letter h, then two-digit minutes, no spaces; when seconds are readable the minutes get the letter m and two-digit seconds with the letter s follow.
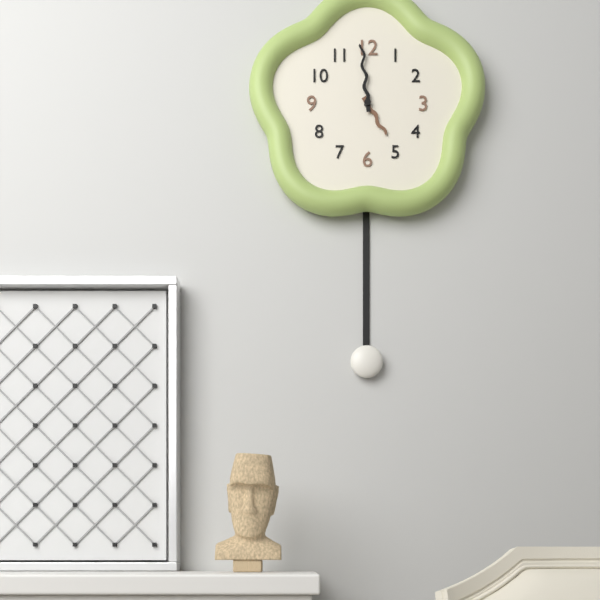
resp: 4h59
